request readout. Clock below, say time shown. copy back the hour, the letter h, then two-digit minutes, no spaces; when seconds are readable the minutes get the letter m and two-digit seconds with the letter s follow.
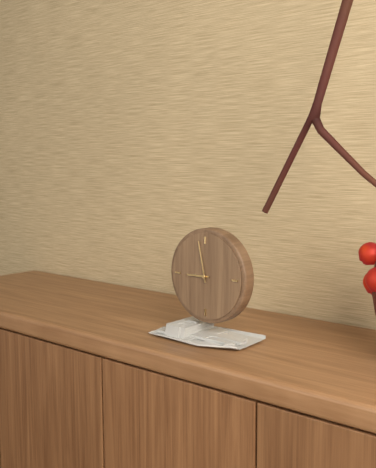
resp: 8h58
